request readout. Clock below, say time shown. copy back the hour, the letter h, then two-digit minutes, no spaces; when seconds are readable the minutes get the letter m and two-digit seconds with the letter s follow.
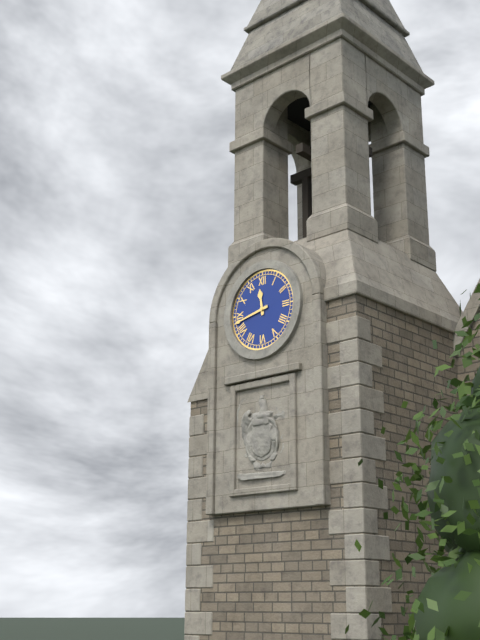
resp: 11h43
